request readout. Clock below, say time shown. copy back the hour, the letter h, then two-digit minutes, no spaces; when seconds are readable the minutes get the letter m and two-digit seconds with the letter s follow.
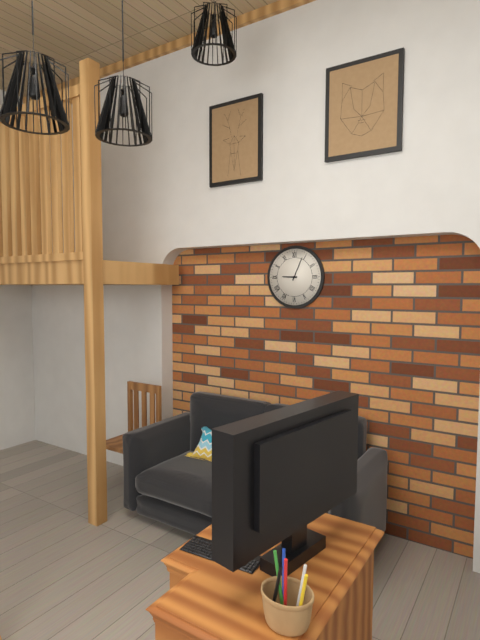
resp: 9h04
